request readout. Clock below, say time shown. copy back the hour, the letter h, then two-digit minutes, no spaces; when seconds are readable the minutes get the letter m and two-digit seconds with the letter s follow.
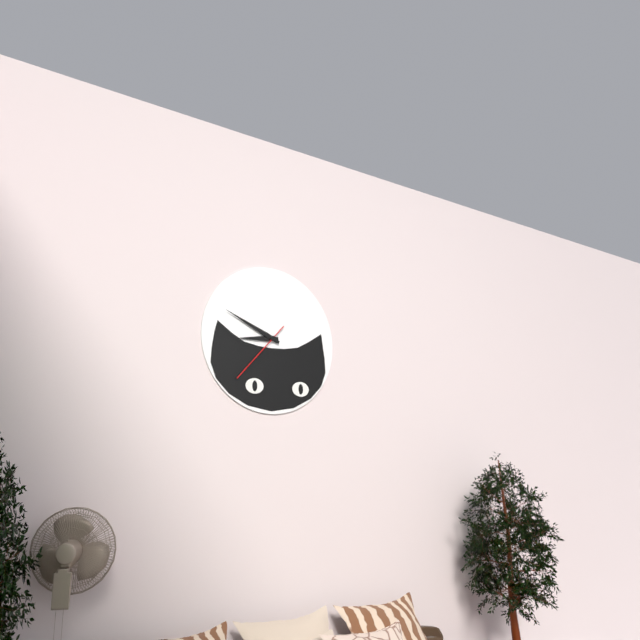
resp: 8h49m37s
